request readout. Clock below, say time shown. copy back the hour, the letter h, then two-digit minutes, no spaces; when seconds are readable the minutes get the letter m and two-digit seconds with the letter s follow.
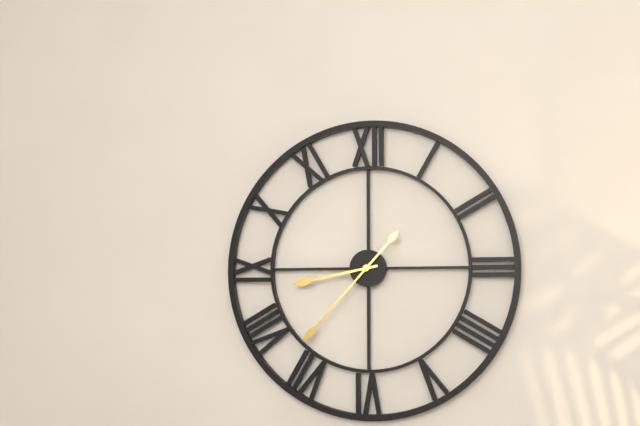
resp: 8h37
